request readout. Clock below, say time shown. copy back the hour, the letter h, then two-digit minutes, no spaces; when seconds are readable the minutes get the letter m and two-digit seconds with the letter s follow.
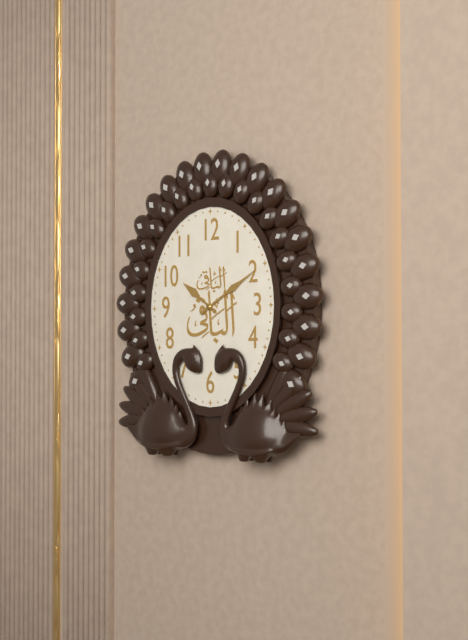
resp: 10h10
